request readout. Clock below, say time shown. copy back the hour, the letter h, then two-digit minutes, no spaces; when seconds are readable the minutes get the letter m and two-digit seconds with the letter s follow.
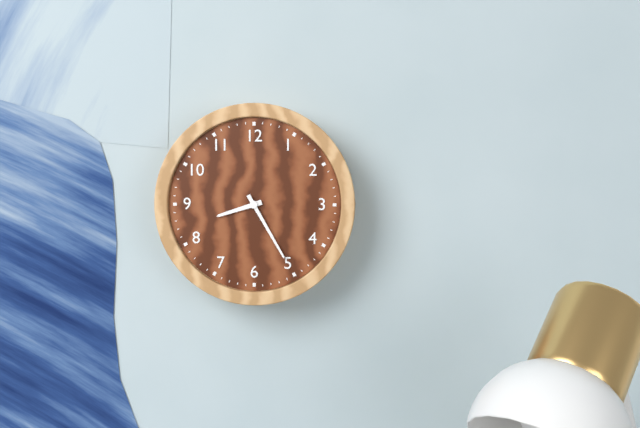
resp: 8h25
